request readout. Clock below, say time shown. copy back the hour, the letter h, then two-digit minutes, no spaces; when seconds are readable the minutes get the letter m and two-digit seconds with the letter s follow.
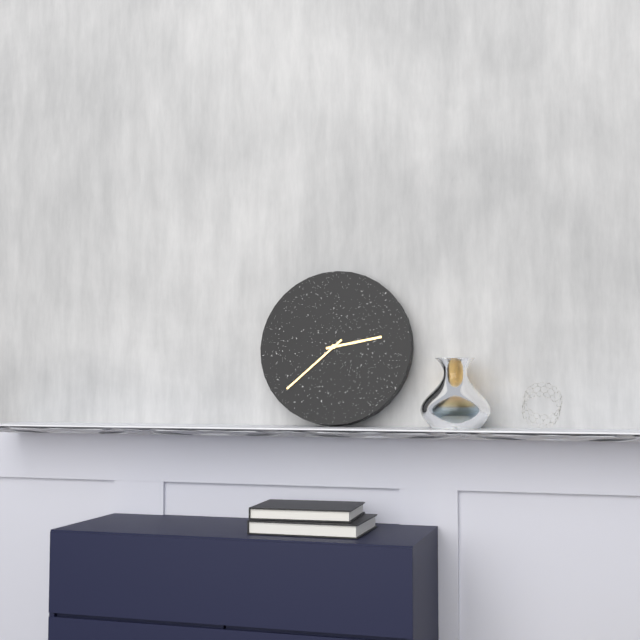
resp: 2h38
